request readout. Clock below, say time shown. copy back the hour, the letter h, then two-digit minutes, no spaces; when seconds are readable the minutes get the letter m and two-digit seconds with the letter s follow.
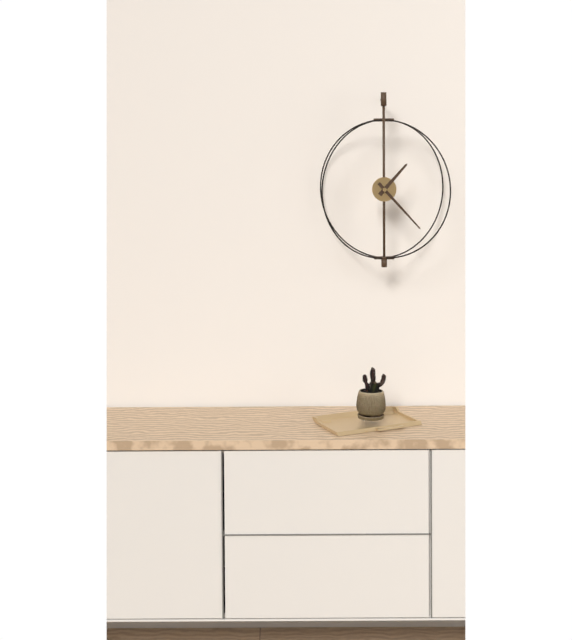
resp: 1h23
